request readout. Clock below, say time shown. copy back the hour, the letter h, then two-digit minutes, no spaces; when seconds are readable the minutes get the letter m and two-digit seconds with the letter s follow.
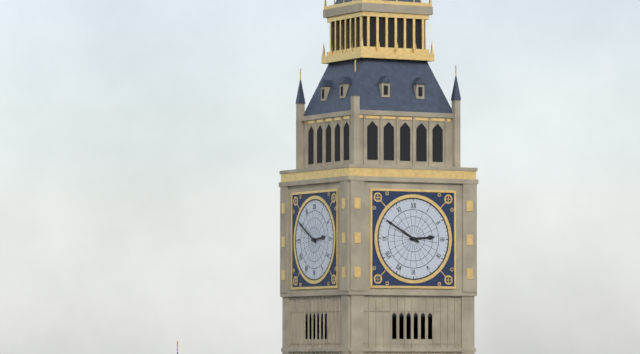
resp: 2h50
